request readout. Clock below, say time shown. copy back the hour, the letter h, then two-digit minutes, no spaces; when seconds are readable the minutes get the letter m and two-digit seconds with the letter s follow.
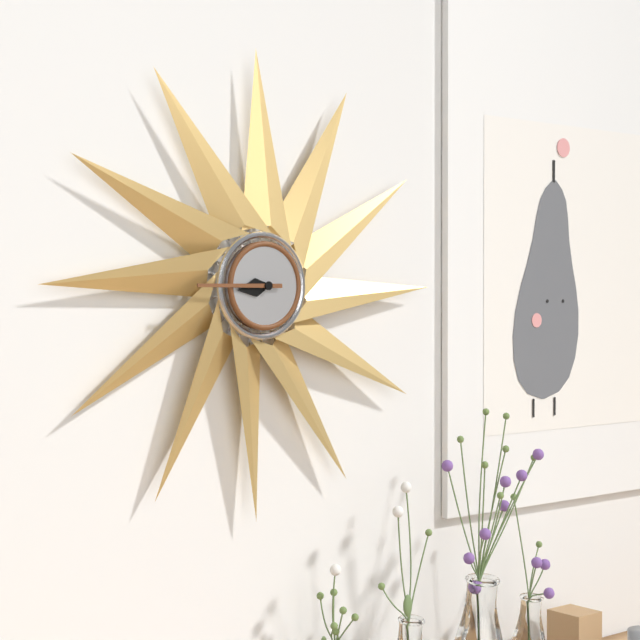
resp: 8h45
